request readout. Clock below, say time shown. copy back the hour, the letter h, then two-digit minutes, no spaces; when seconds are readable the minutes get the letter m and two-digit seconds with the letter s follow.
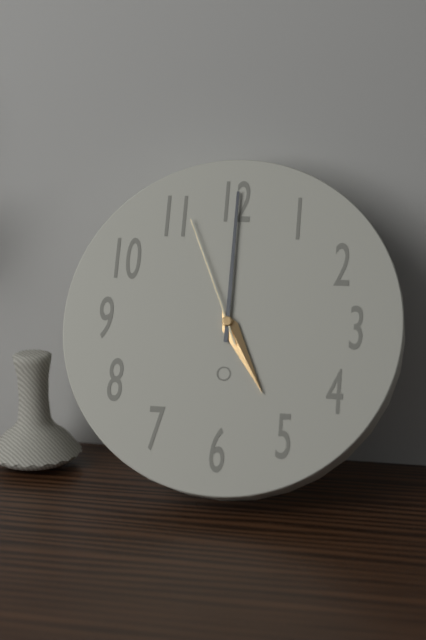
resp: 5h00m56s
